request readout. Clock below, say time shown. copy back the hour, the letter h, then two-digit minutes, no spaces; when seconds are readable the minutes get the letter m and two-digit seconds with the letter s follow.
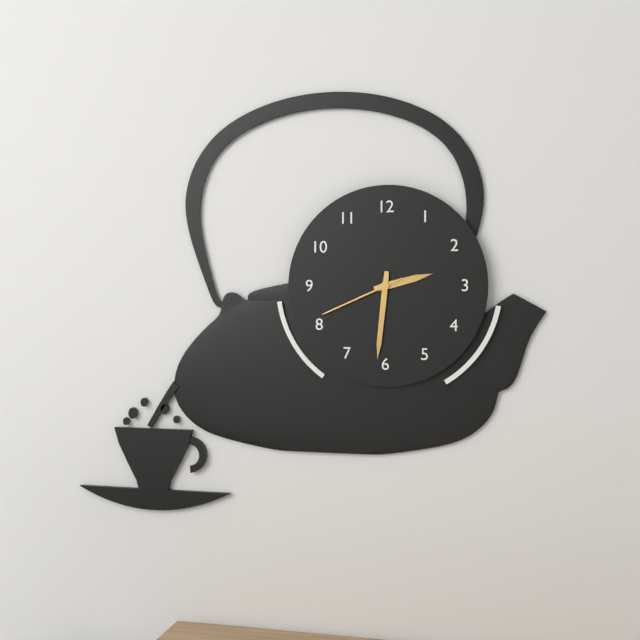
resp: 2h31m41s
